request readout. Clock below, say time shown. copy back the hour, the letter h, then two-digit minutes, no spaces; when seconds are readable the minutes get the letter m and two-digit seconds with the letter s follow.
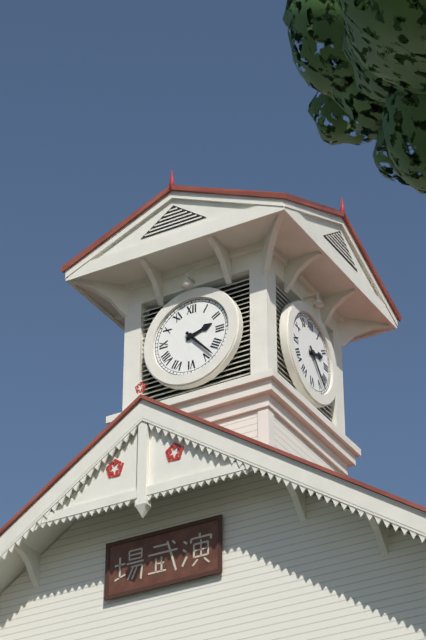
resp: 2h23
